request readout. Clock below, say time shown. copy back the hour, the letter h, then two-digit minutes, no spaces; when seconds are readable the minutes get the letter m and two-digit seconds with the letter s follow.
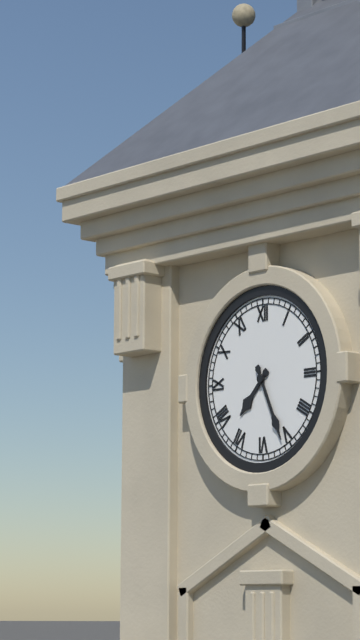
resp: 7h26
